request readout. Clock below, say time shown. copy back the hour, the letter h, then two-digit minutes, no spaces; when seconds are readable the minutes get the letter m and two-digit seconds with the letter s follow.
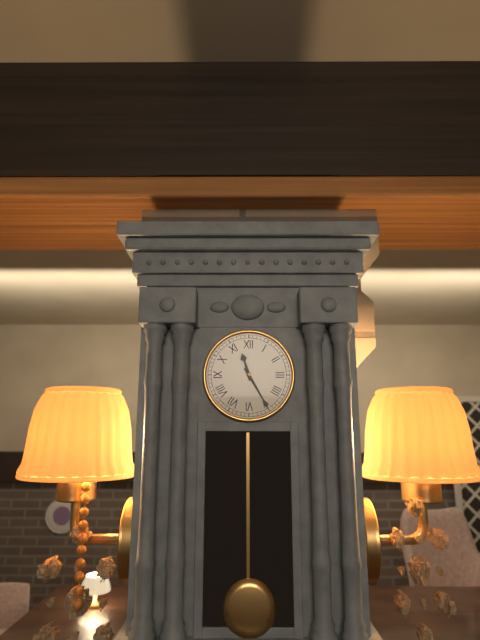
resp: 11h25
